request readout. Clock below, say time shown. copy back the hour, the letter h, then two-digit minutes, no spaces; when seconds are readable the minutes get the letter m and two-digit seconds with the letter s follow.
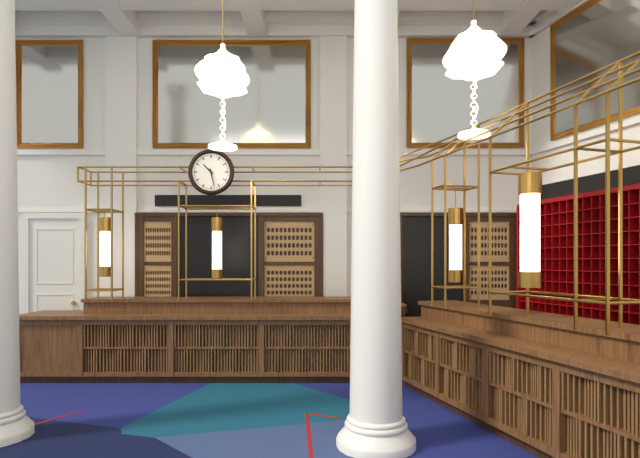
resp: 10h28
